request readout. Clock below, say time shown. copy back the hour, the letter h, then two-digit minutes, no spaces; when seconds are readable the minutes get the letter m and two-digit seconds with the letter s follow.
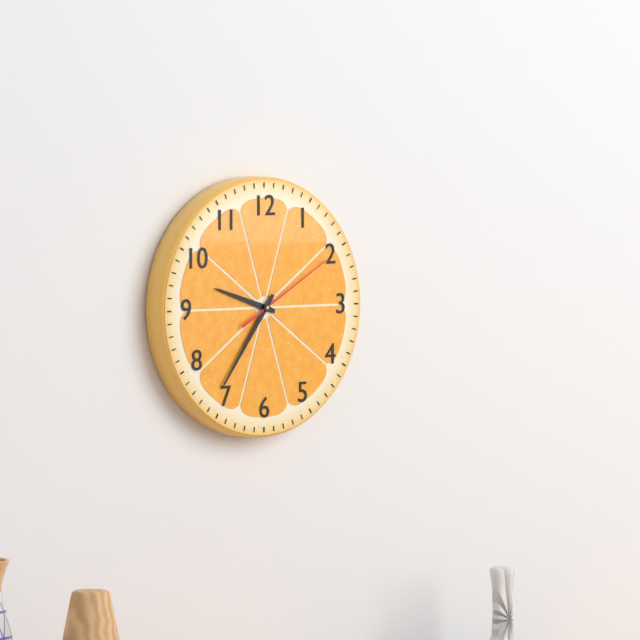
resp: 9h36m10s
